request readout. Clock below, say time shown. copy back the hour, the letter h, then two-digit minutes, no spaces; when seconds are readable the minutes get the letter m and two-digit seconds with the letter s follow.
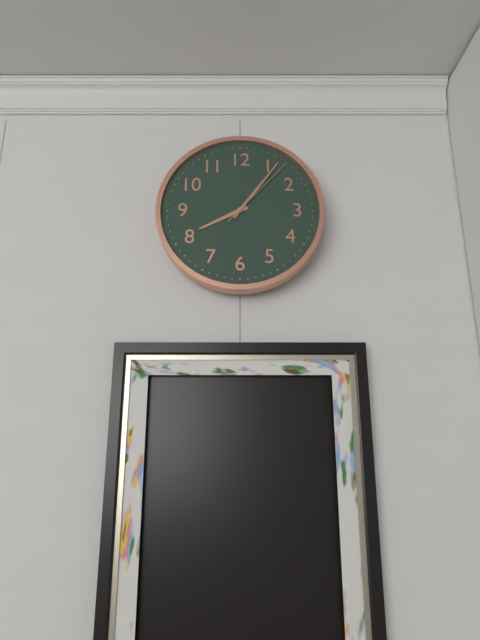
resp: 8h06m07s
